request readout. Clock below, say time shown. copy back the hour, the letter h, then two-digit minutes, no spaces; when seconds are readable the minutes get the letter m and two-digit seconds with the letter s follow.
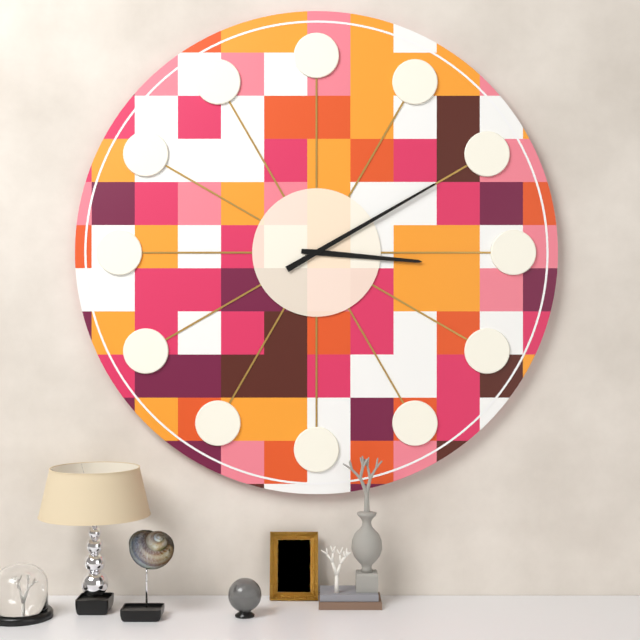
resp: 3h10
